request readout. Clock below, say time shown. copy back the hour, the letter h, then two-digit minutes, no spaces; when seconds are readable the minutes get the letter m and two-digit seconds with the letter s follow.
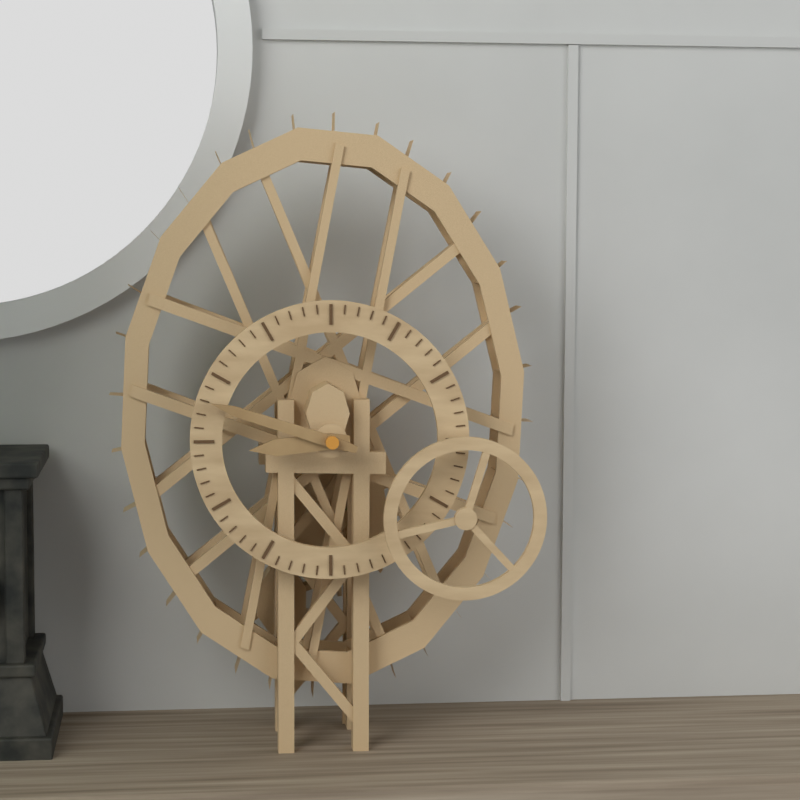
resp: 8h48
